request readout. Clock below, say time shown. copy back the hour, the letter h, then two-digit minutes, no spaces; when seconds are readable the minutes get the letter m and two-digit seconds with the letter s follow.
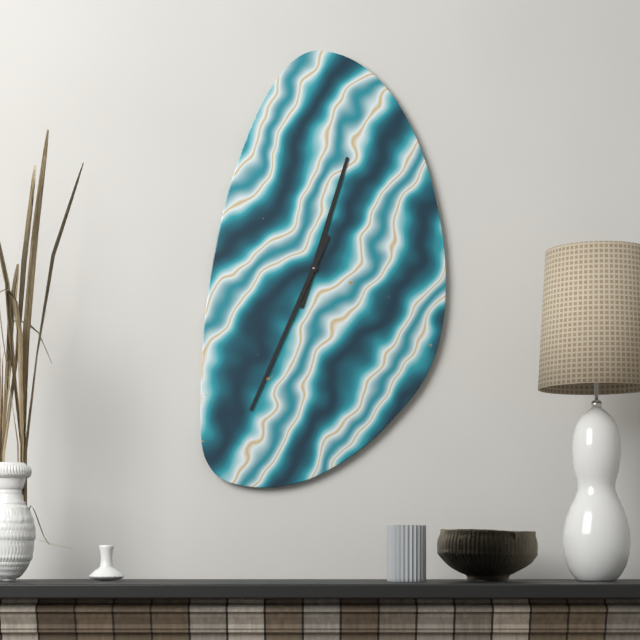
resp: 12h34
